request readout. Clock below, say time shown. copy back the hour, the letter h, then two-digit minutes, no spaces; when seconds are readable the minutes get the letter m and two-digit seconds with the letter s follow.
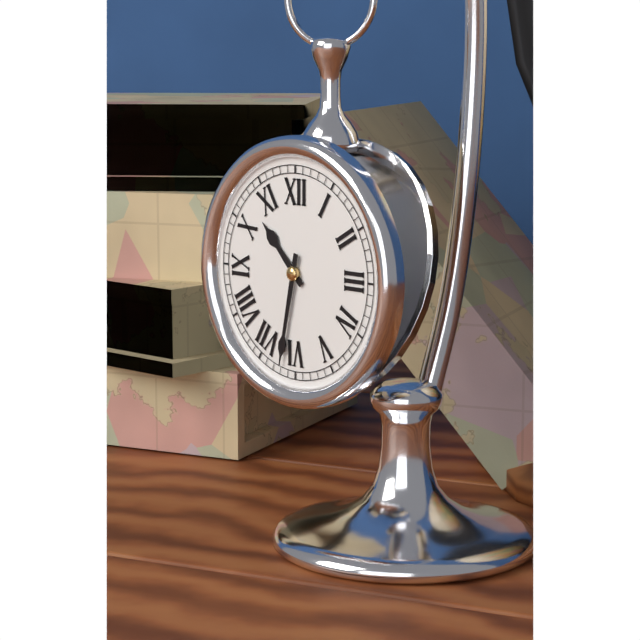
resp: 10h32
